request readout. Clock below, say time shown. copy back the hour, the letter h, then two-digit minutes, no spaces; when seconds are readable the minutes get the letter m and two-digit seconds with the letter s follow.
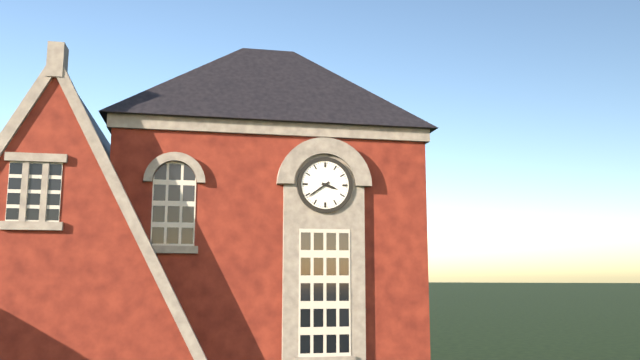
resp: 3h39
